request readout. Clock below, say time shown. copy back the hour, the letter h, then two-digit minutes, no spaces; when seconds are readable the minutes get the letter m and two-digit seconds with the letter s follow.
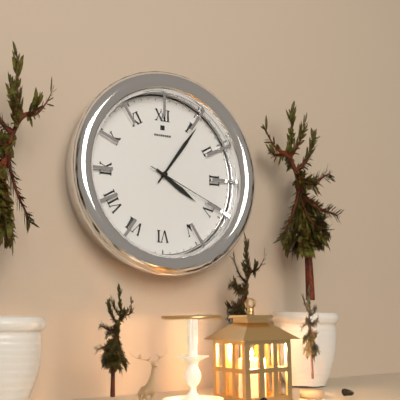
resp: 4h06m19s
